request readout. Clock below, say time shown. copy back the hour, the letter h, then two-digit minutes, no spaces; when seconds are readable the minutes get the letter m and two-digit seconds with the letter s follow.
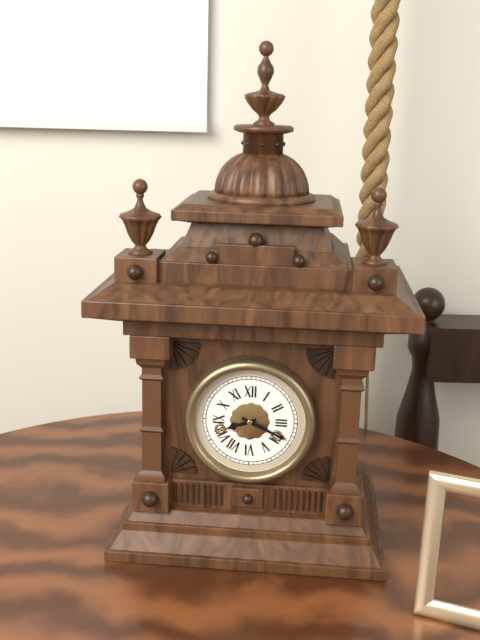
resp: 8h19
